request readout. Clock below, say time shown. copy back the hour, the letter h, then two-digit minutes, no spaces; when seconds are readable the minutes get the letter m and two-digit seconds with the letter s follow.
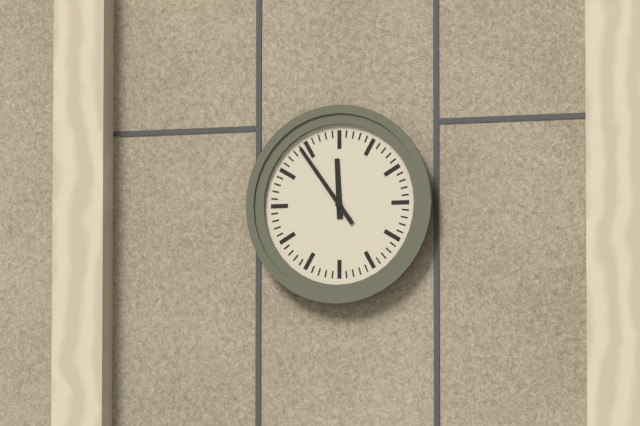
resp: 11h54
